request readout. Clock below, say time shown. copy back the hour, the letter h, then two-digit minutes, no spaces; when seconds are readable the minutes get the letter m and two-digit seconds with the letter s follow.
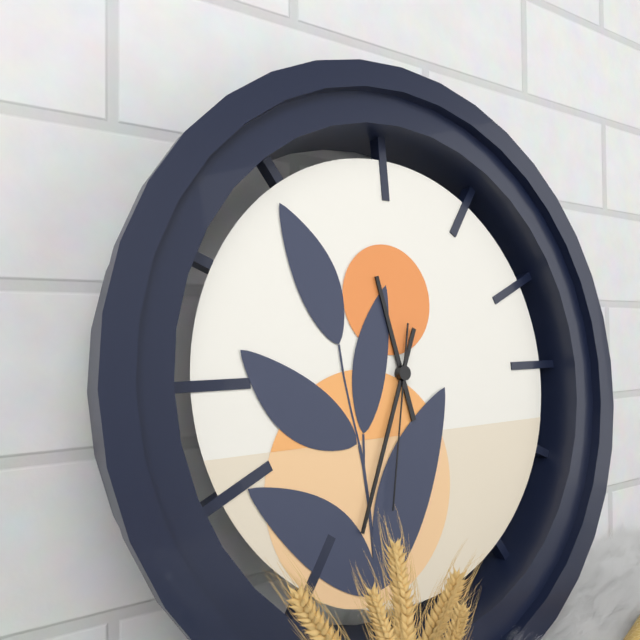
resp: 11h34m32s
